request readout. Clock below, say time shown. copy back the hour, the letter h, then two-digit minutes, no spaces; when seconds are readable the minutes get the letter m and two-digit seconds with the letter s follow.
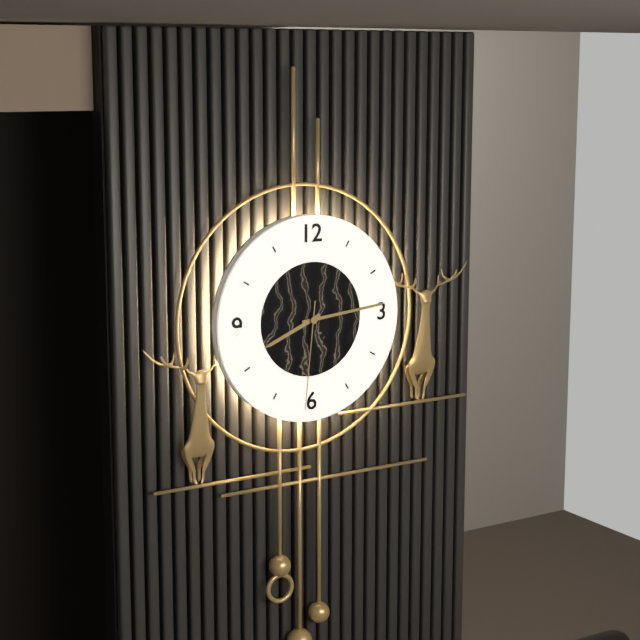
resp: 8h14m31s
